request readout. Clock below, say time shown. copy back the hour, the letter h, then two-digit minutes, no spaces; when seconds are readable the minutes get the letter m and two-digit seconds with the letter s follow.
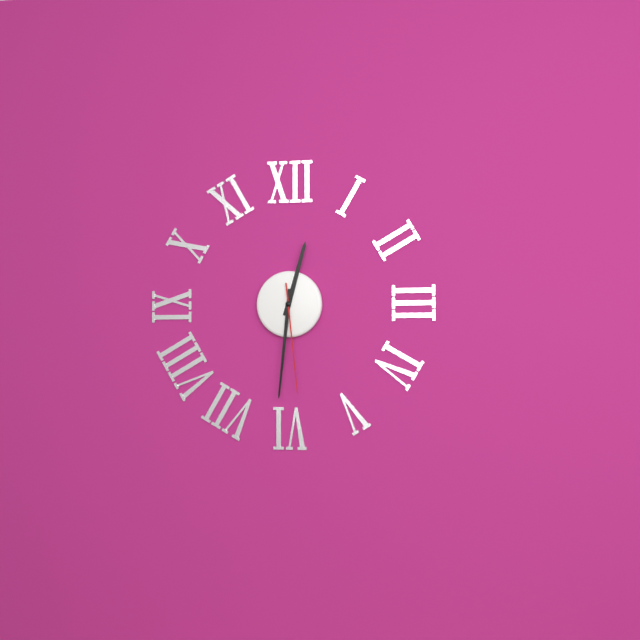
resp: 12h31m29s
